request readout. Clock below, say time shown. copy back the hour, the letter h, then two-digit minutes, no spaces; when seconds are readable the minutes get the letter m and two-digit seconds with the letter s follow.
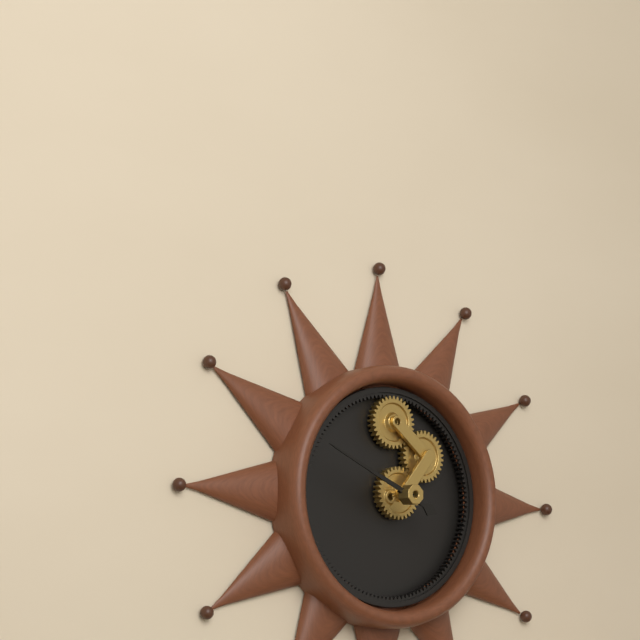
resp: 3h49
